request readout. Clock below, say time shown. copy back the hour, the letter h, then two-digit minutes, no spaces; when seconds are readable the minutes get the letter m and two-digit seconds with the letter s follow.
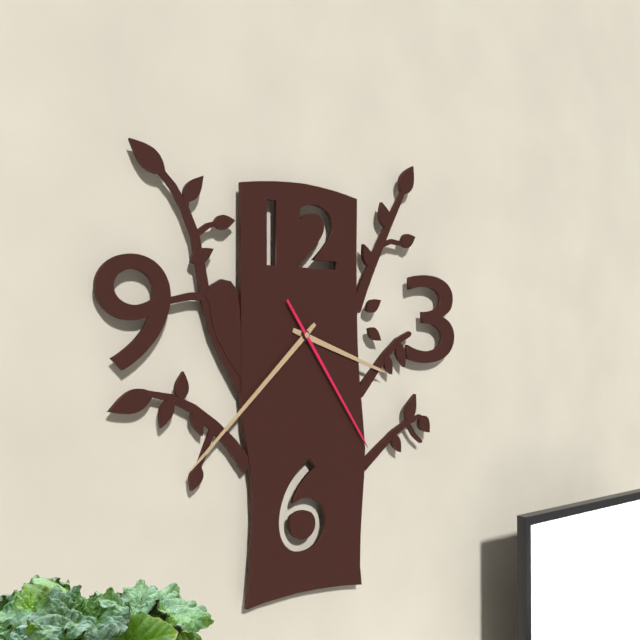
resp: 3h38m24s
